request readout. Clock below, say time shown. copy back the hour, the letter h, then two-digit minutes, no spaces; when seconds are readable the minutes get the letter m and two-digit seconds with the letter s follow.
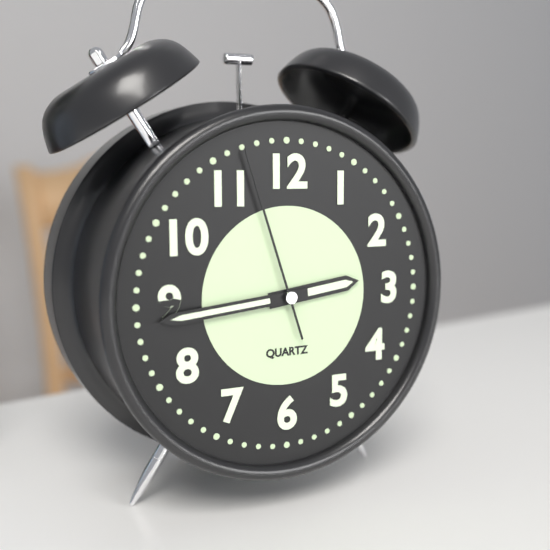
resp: 2h44m57s
